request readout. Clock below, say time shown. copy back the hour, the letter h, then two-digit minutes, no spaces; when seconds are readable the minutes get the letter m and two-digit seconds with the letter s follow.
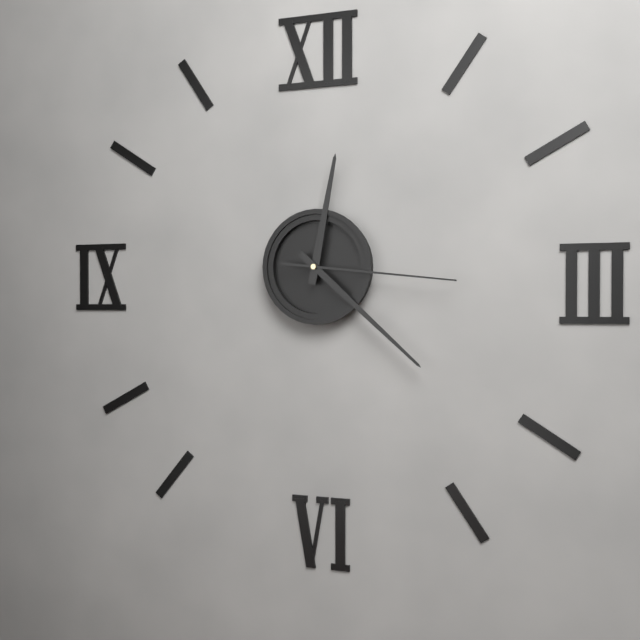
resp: 12h22m16s
